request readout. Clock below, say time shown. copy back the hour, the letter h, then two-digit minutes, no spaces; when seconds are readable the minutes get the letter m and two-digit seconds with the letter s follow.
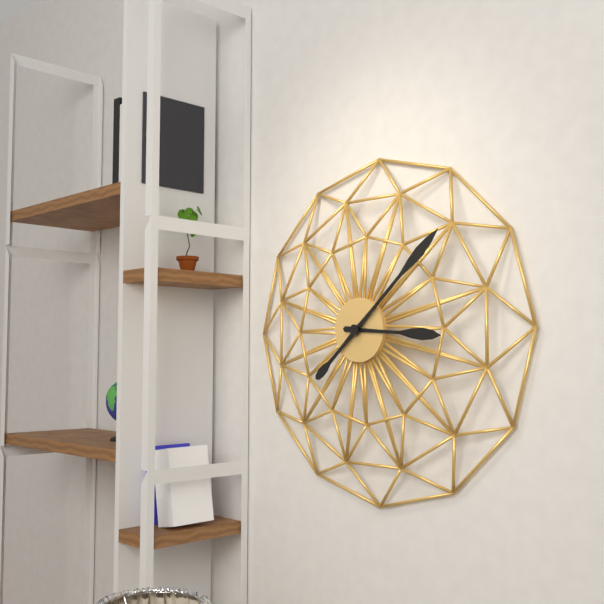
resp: 3h08
